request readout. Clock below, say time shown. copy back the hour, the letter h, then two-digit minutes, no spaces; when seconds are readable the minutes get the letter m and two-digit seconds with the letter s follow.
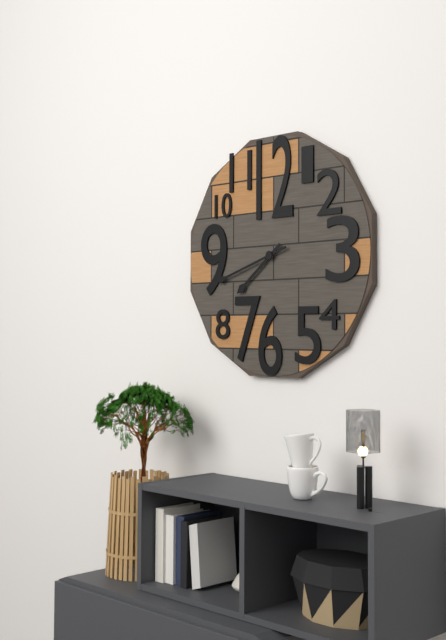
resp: 7h42
